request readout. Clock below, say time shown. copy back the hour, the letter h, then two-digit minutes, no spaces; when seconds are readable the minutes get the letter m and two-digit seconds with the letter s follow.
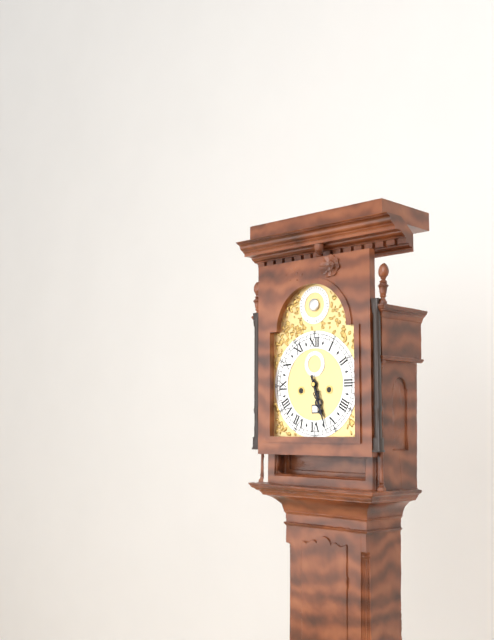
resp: 5h27
